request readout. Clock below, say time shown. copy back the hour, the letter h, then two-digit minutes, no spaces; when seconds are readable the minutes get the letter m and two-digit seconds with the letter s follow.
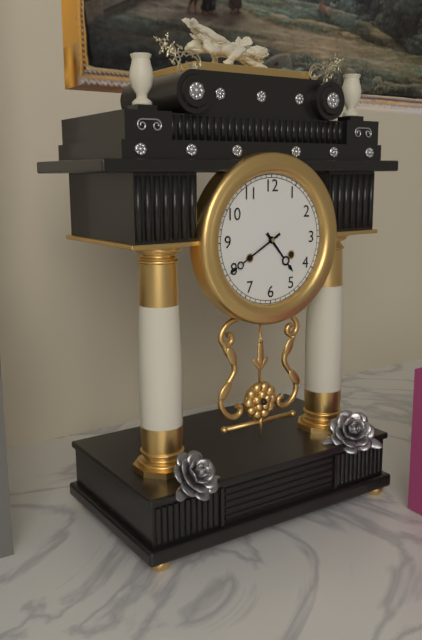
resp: 4h40
